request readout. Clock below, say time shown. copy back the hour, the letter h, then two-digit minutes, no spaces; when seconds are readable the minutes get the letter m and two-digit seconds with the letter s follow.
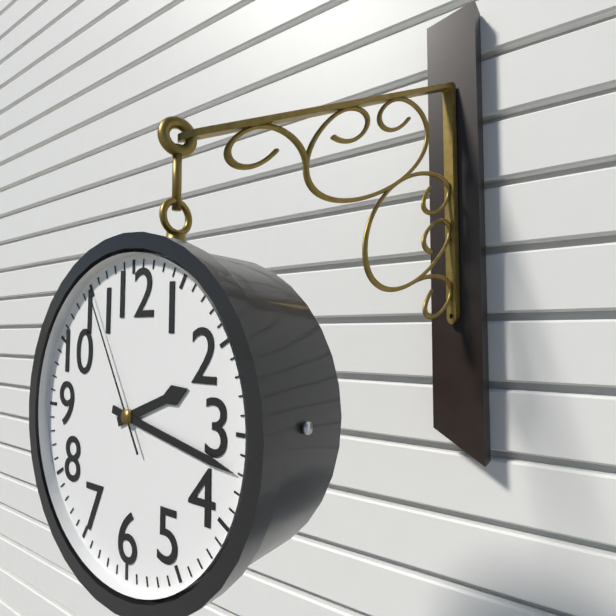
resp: 2h17m55s
